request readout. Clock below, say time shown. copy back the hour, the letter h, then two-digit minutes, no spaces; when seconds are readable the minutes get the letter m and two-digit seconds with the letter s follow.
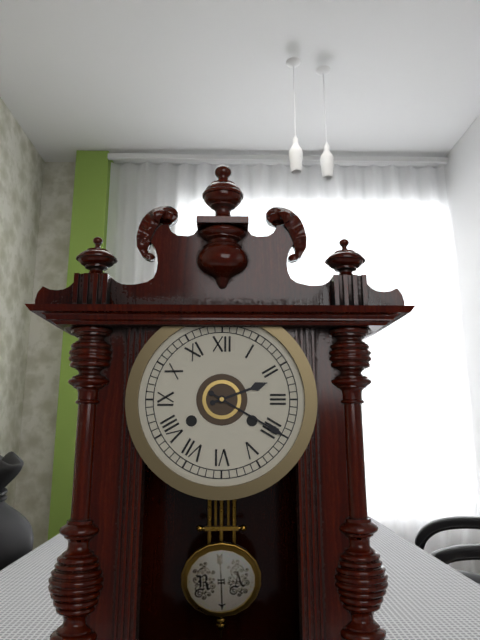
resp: 2h20
